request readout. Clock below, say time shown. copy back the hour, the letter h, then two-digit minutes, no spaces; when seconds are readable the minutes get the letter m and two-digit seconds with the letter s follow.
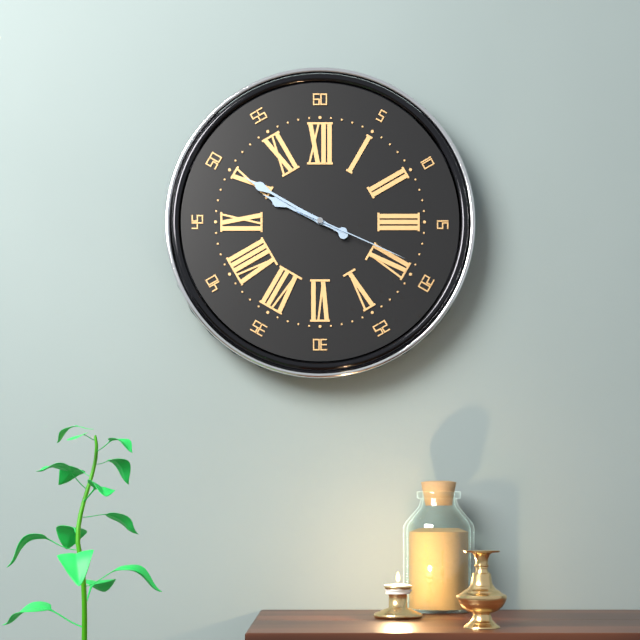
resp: 9h50m19s
